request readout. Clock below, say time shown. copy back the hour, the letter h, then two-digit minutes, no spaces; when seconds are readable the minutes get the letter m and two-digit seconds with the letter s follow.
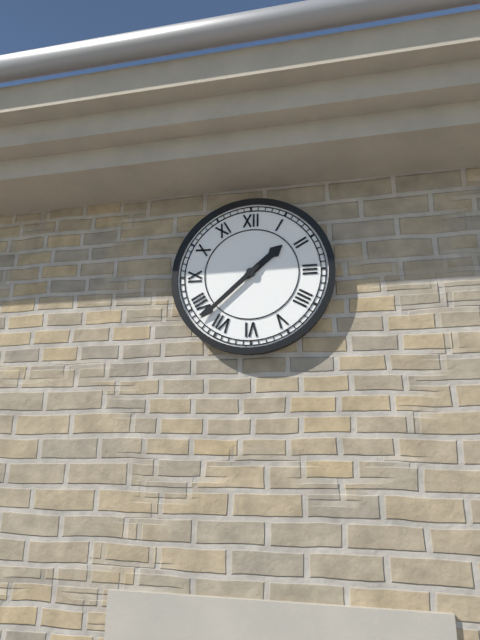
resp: 1h38
